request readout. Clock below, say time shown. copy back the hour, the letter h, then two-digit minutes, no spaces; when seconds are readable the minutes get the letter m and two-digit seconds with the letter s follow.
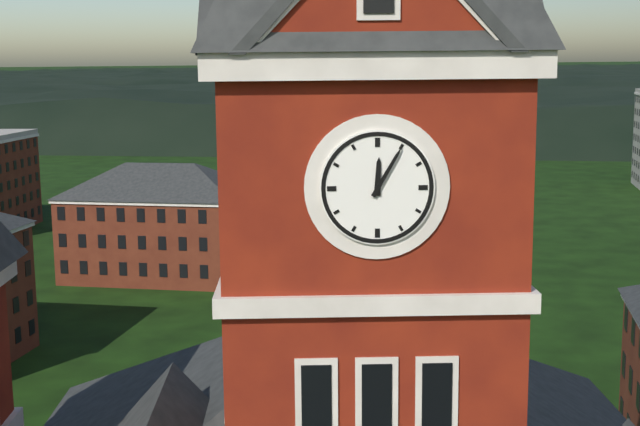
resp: 12h05
